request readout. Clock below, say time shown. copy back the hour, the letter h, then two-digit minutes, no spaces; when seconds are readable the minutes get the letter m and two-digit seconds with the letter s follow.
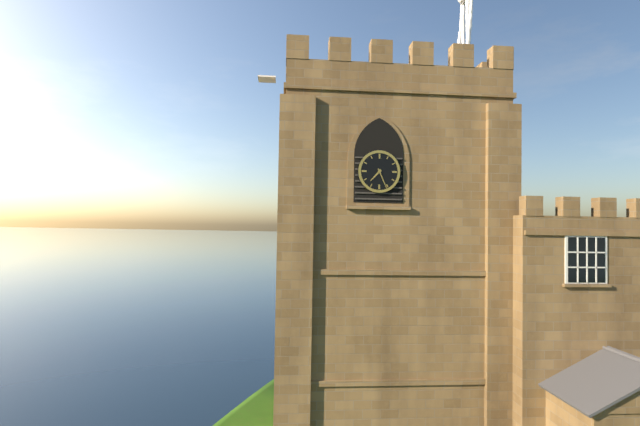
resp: 7h26
